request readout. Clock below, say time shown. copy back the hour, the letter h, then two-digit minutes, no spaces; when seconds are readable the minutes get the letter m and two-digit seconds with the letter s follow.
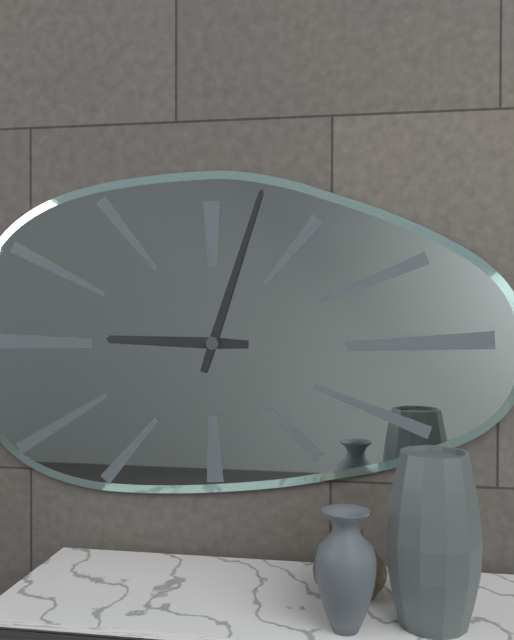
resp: 9h03
